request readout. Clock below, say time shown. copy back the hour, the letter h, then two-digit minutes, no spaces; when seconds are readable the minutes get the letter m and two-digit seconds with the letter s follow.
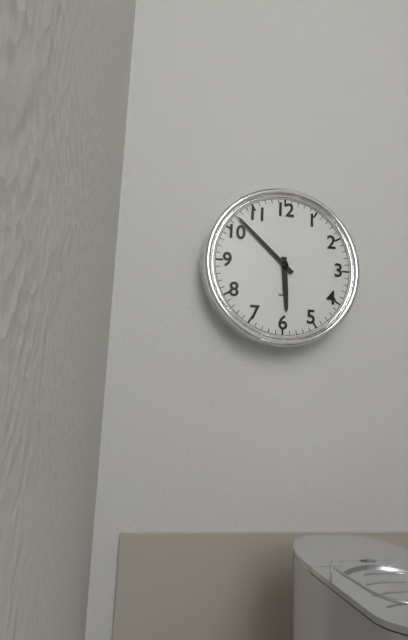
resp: 5h52
